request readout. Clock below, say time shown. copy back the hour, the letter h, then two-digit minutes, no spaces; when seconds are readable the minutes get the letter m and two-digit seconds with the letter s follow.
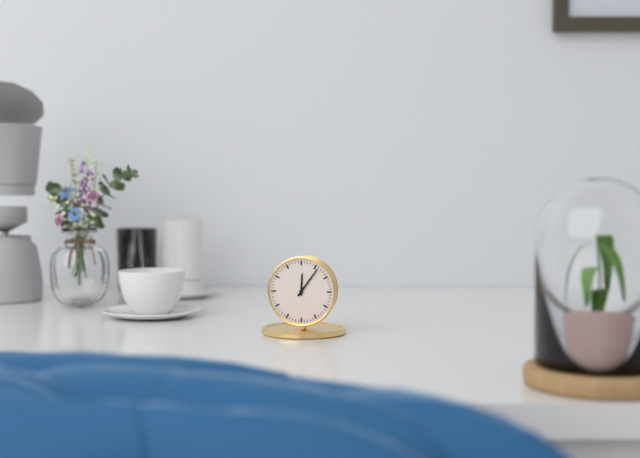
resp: 12h06
